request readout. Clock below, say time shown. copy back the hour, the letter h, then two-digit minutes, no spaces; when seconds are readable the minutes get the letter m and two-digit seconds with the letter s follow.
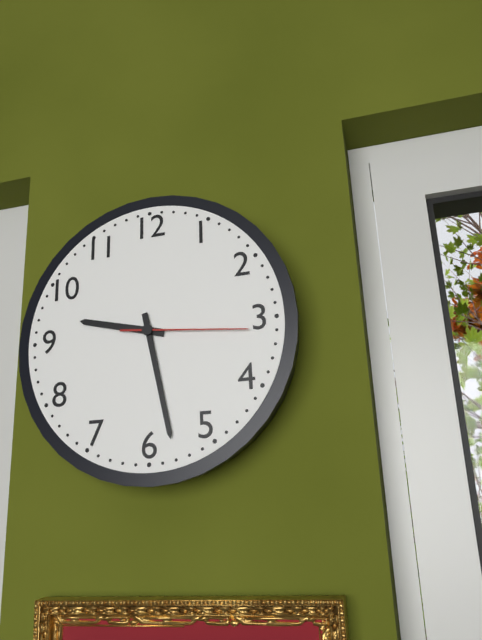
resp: 9h28m16s
